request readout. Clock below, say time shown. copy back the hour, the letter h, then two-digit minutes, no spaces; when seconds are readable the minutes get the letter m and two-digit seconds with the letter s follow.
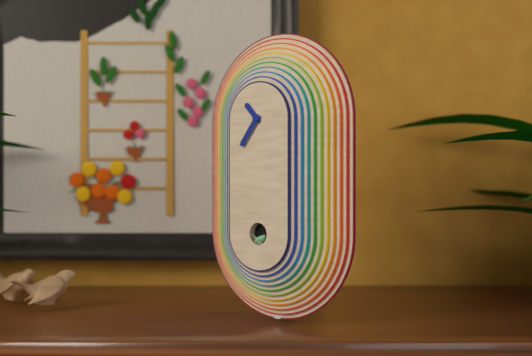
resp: 10h36
